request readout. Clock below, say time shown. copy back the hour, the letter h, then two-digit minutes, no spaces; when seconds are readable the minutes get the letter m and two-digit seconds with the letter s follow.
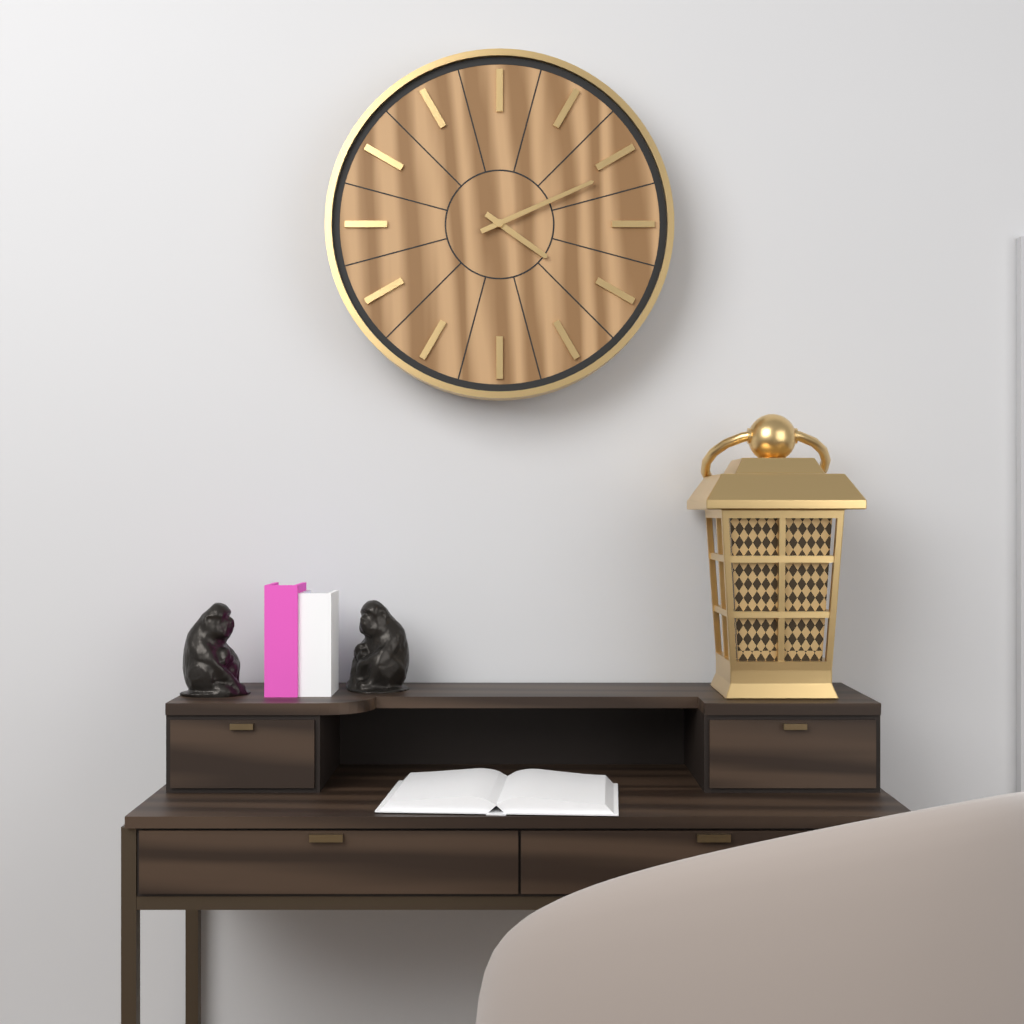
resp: 4h11
